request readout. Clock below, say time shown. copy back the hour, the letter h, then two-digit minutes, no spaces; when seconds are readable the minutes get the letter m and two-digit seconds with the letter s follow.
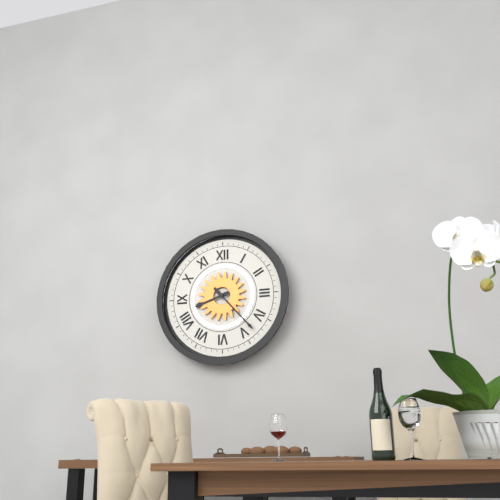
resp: 8h23
